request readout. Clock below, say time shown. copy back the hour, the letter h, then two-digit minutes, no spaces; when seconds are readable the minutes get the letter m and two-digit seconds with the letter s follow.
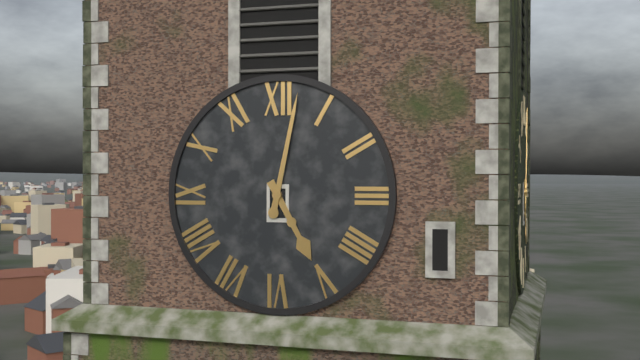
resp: 5h02
